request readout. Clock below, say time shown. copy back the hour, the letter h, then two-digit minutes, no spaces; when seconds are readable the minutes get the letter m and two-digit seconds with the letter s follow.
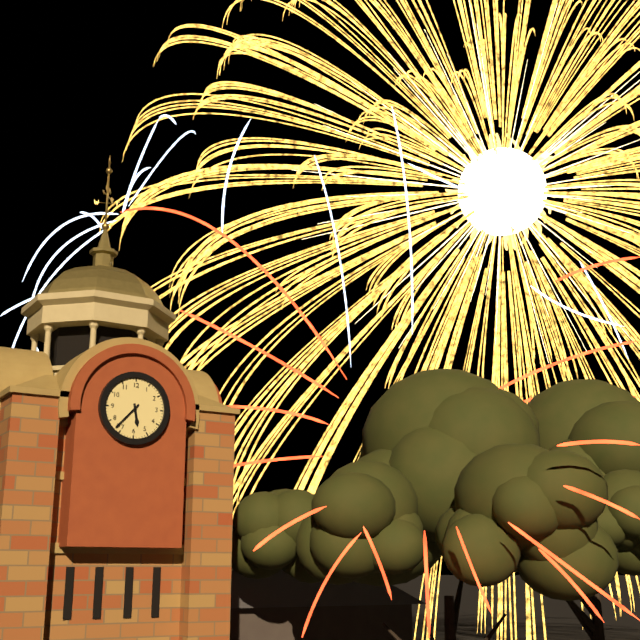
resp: 5h37
